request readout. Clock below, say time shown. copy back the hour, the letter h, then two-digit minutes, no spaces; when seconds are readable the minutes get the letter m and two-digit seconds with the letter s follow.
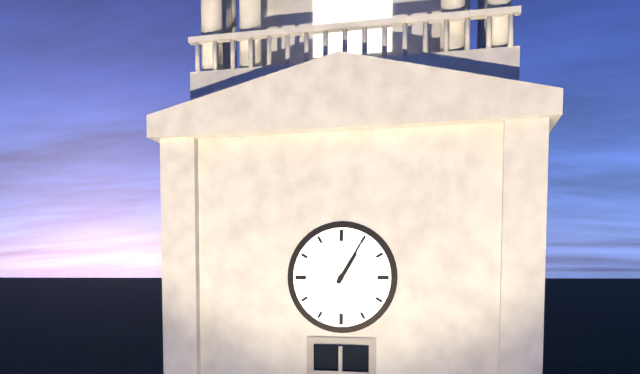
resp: 1h05
